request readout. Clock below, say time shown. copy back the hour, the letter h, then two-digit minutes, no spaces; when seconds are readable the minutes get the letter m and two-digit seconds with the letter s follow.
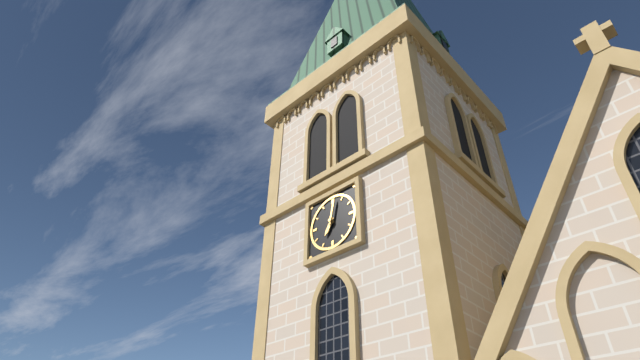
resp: 7h02
